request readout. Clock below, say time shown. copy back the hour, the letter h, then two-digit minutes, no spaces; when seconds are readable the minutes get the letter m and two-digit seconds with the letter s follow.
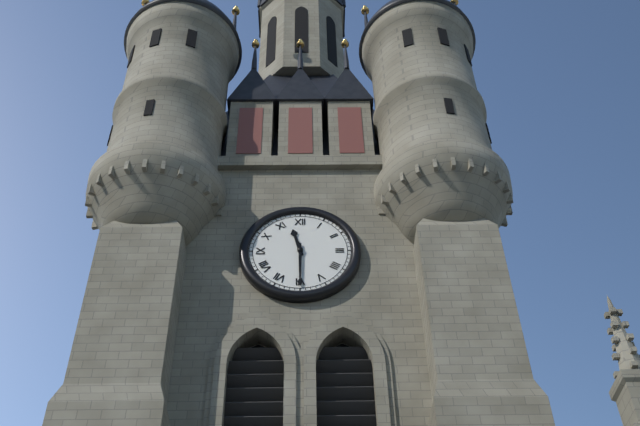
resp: 11h30
